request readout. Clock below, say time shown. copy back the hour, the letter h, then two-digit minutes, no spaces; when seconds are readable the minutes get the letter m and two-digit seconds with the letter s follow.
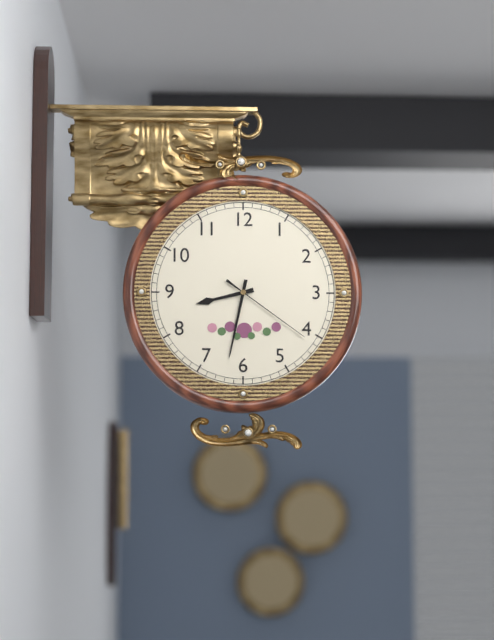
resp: 8h32m21s
